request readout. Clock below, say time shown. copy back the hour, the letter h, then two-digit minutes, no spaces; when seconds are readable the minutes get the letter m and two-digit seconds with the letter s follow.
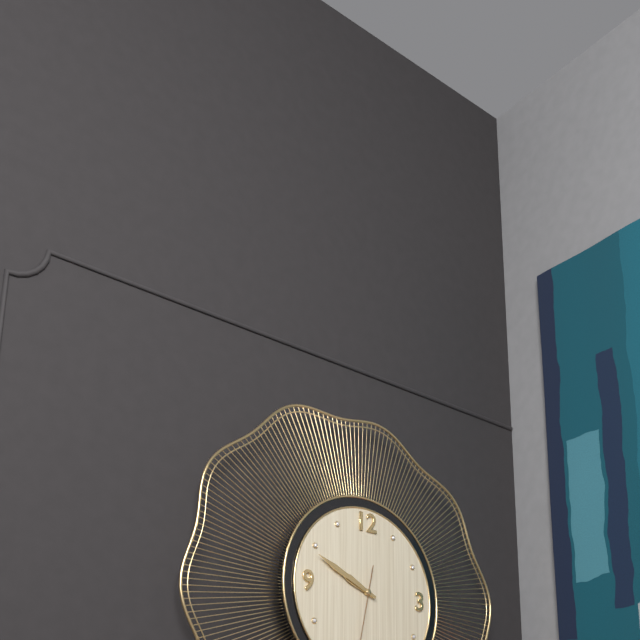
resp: 9h49
